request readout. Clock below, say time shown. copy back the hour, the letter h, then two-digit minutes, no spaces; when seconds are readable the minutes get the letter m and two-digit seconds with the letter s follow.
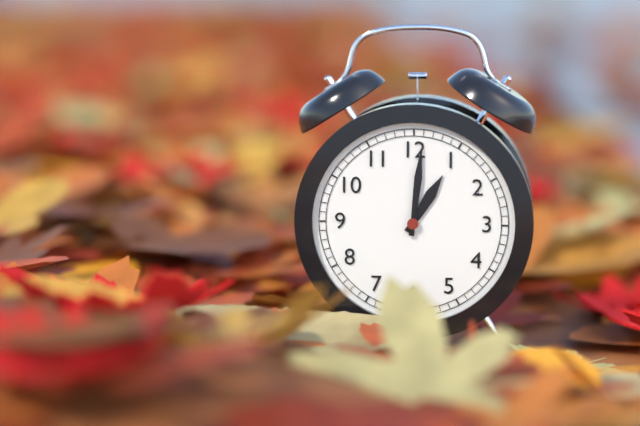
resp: 1h01
